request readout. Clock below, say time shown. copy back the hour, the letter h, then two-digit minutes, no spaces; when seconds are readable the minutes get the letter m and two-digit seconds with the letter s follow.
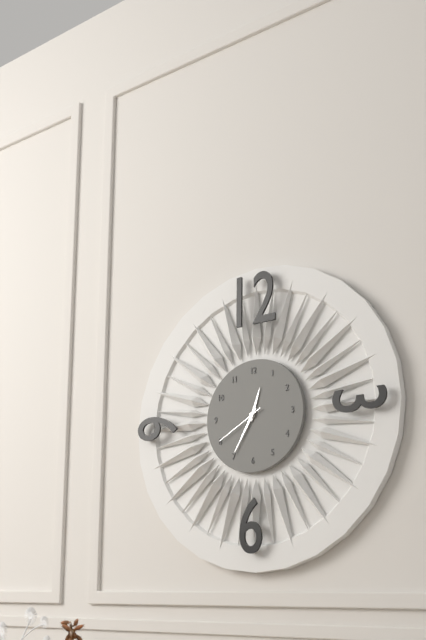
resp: 12h35m40s
